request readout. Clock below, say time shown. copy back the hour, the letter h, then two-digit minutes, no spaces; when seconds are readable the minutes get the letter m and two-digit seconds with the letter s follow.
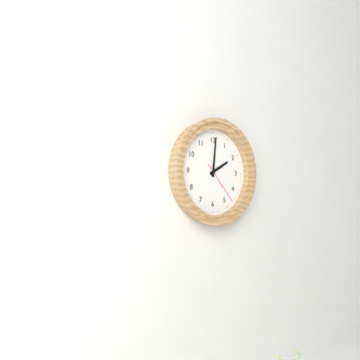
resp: 2h01
